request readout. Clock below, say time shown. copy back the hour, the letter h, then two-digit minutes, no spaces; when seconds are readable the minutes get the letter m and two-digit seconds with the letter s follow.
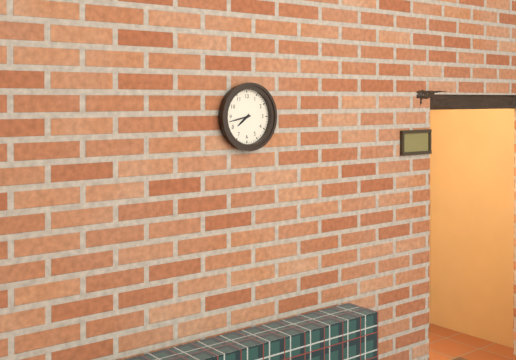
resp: 7h43
